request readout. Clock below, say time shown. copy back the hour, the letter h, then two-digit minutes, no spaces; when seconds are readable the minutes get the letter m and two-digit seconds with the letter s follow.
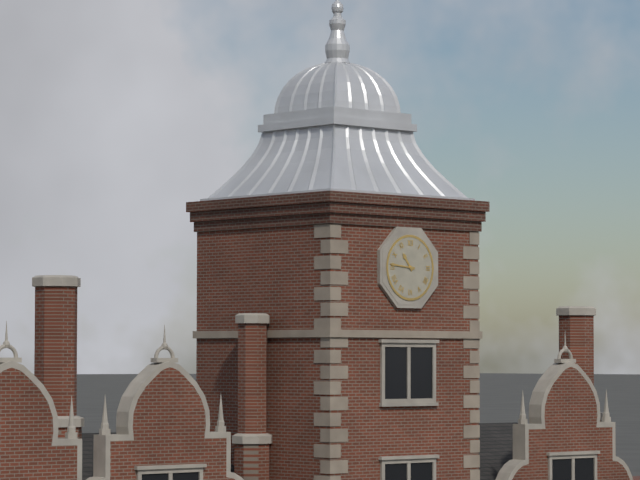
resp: 10h46
